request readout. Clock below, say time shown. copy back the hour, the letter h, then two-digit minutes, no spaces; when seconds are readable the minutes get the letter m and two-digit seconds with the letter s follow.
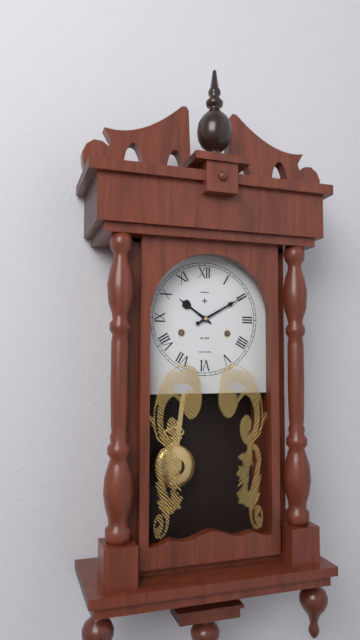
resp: 10h10
